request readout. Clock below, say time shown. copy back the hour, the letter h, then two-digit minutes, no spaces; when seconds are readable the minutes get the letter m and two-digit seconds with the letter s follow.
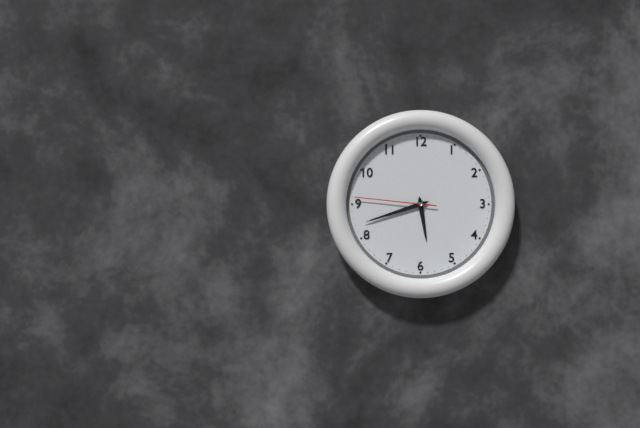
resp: 5h42m46s
